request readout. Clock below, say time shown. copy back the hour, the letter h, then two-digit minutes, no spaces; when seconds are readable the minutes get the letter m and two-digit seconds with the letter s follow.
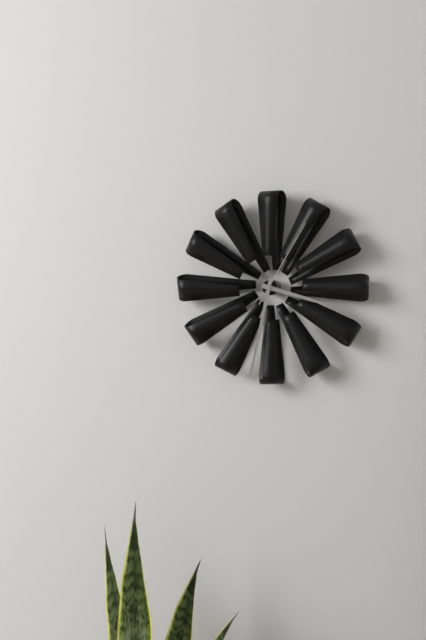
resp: 3h32m05s
